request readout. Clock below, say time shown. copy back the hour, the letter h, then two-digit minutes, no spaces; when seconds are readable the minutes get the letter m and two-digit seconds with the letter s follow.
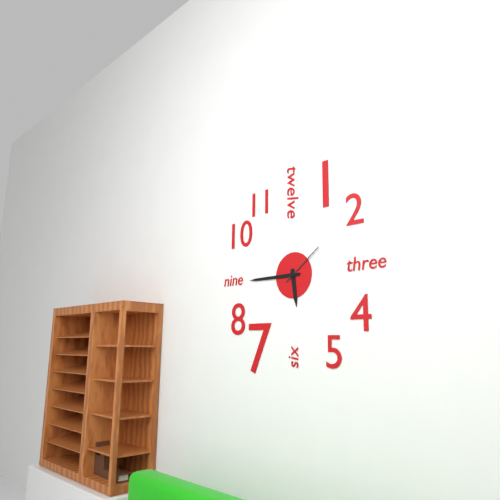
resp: 5h45
